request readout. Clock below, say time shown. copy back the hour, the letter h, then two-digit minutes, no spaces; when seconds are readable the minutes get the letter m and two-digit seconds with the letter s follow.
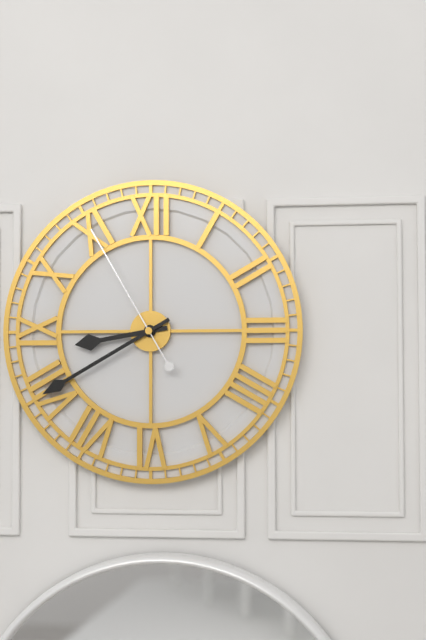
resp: 8h40m55s
